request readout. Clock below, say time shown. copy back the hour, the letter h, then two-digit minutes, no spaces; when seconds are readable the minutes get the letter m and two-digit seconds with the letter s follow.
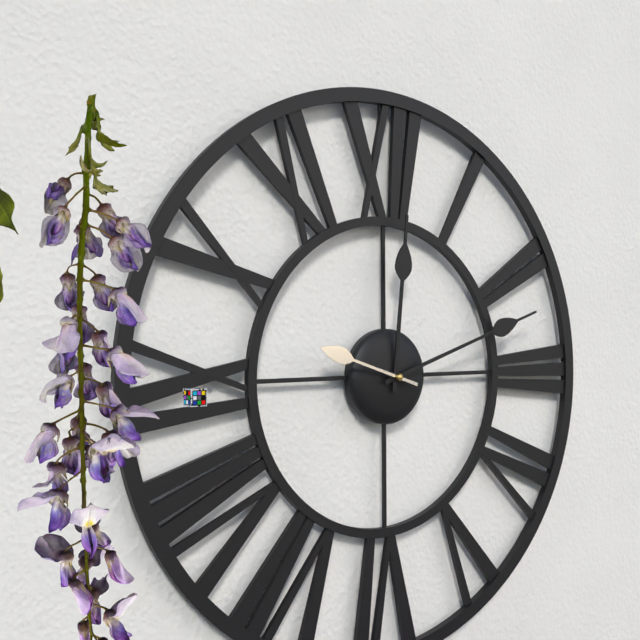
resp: 12h12m48s
